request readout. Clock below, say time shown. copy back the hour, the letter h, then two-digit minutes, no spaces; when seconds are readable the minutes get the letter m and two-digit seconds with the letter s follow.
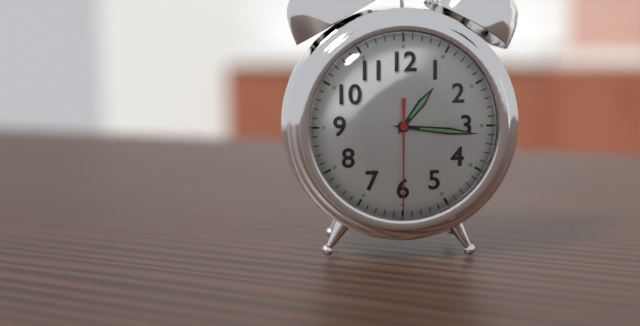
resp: 1h16m30s
